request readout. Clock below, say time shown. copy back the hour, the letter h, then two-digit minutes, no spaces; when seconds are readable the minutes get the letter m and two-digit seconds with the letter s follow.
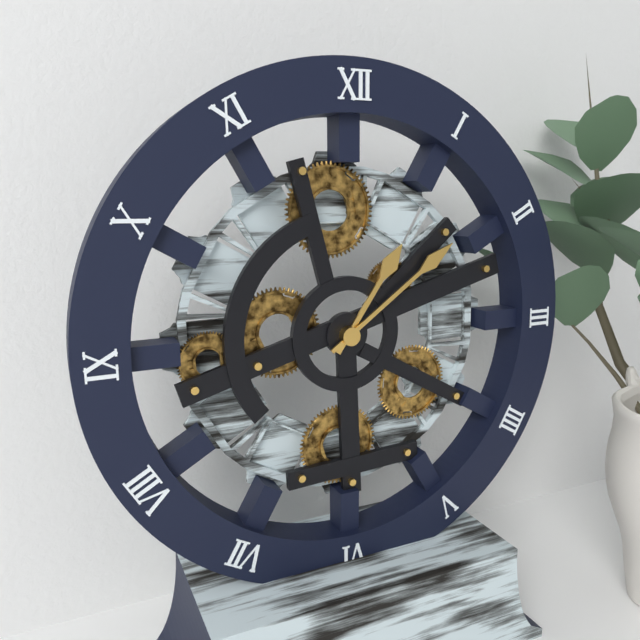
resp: 1h09
